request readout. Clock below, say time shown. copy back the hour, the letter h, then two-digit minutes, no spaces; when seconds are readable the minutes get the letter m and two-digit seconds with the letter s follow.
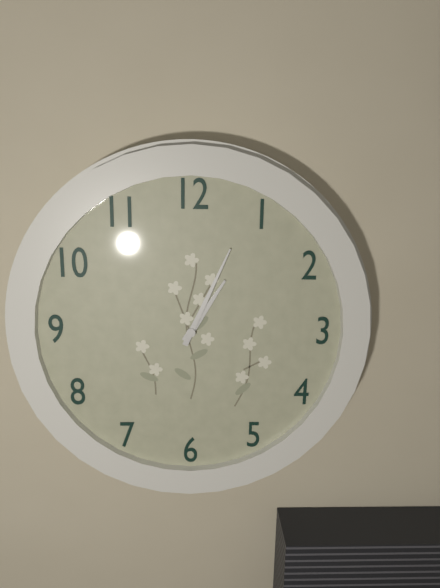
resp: 1h04
